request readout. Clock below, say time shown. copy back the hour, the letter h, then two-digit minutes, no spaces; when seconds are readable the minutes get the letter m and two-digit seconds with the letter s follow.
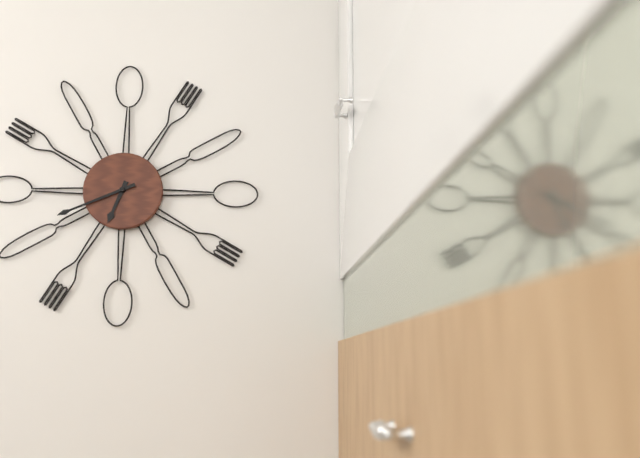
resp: 6h41
